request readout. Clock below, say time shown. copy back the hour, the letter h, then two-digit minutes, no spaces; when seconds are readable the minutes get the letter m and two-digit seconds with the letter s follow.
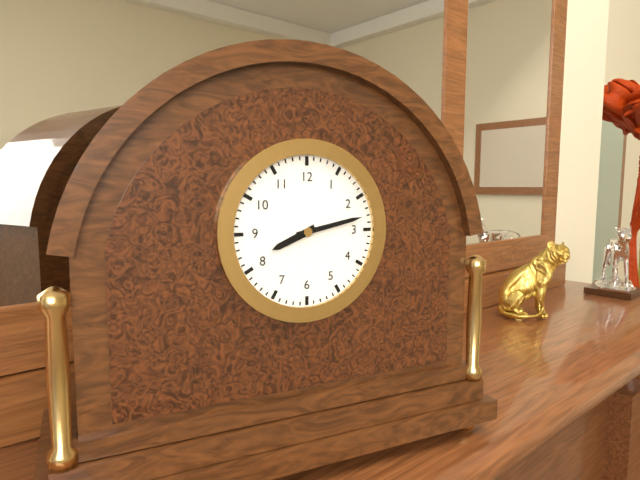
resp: 8h13
